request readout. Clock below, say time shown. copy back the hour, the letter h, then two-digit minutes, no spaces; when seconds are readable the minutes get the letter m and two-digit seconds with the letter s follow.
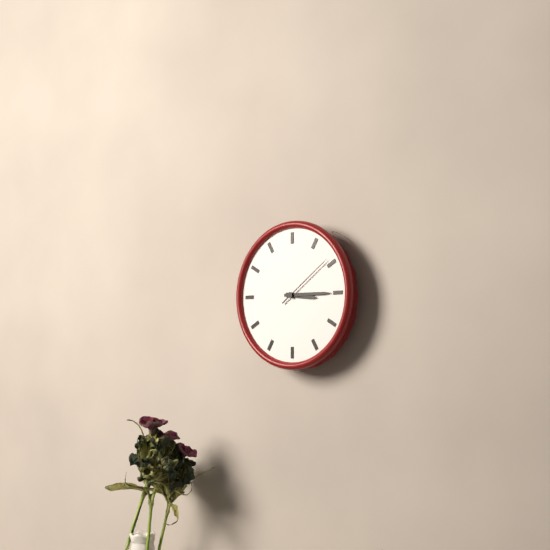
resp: 3h15m09s
